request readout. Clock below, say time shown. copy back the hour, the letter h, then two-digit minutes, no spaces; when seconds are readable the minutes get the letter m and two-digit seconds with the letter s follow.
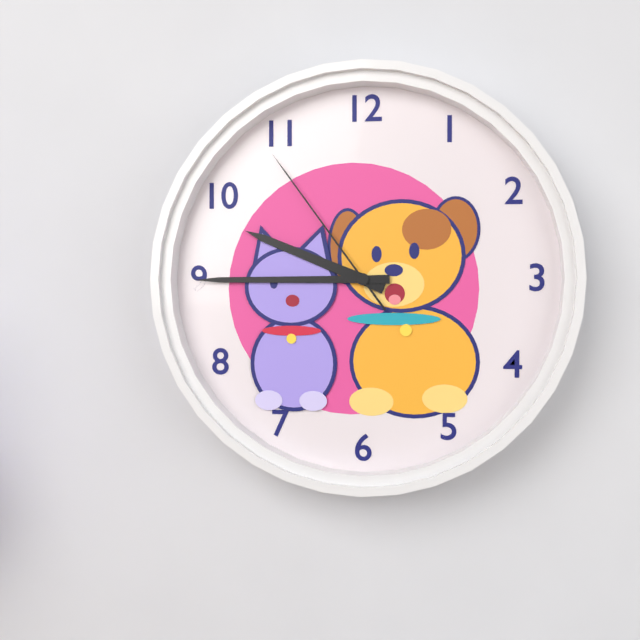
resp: 9h45m54s
